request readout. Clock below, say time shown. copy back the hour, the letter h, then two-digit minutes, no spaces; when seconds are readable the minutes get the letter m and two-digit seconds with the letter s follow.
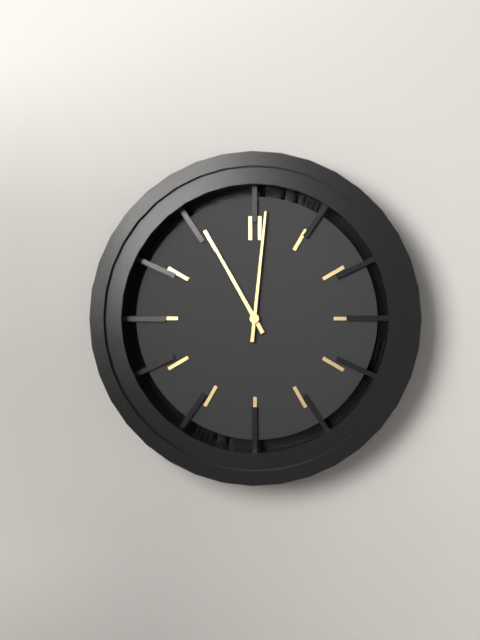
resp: 11h01
